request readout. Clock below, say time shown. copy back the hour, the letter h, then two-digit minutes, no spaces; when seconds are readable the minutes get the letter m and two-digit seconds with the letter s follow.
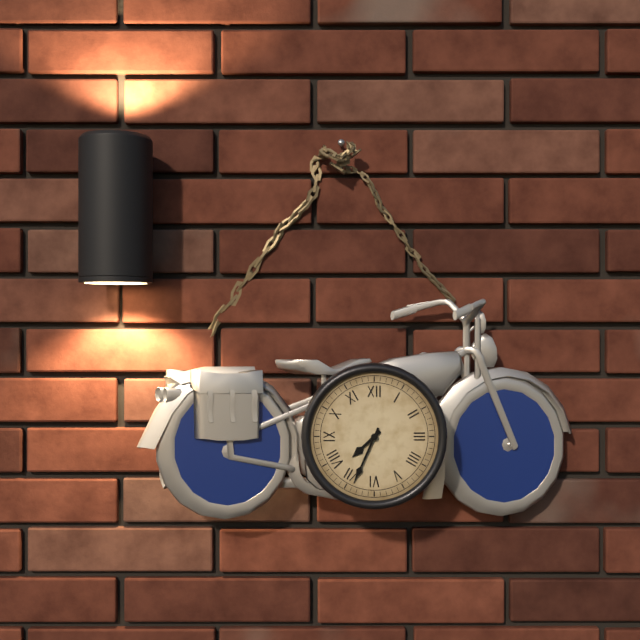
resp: 7h34
